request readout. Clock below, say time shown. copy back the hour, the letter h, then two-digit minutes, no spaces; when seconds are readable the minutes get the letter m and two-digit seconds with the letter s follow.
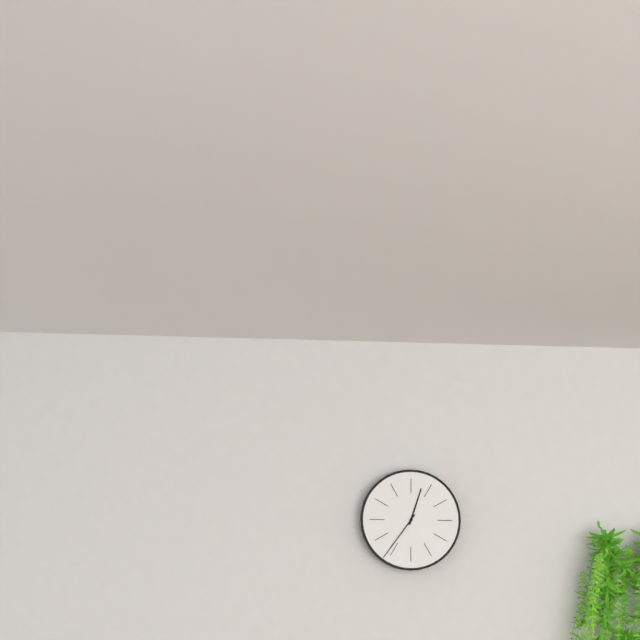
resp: 12h36
